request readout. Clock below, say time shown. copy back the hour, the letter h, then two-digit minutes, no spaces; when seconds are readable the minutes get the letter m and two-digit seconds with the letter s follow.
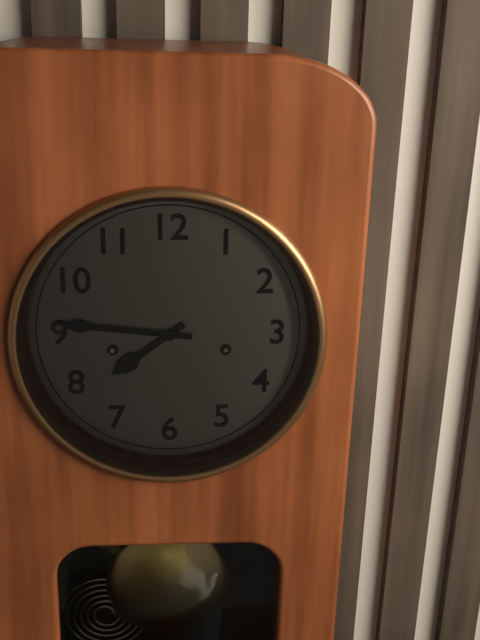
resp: 7h46
